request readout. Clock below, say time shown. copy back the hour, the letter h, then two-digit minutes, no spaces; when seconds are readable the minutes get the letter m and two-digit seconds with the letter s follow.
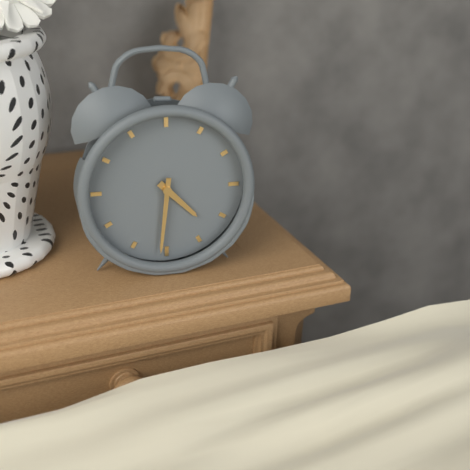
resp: 4h31
